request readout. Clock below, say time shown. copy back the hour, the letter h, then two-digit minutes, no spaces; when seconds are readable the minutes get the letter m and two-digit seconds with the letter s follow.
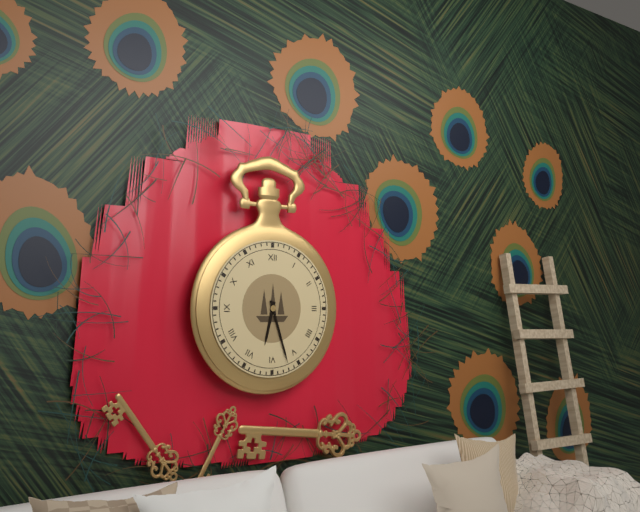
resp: 6h27
